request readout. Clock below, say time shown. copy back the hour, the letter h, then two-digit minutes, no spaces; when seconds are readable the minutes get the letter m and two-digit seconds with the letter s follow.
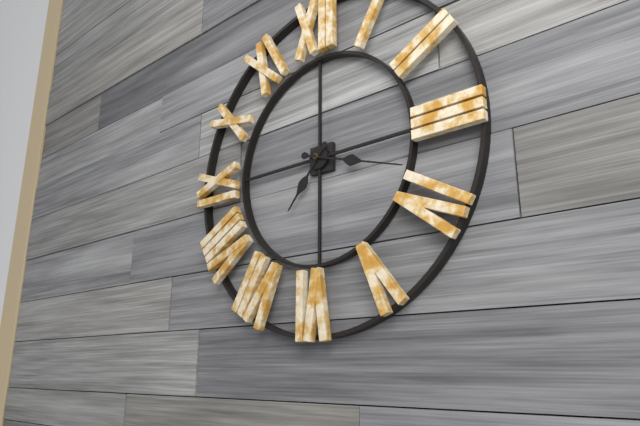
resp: 7h18
